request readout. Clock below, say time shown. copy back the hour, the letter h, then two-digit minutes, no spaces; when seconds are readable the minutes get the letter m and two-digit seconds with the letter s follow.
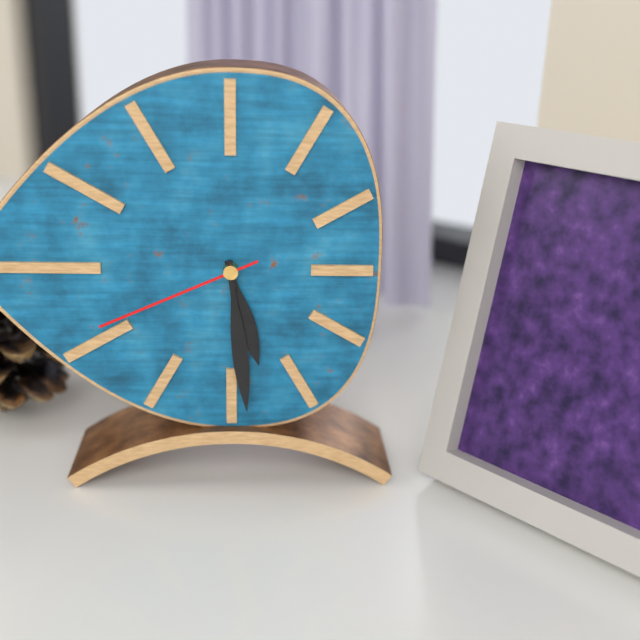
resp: 5h29m41s
